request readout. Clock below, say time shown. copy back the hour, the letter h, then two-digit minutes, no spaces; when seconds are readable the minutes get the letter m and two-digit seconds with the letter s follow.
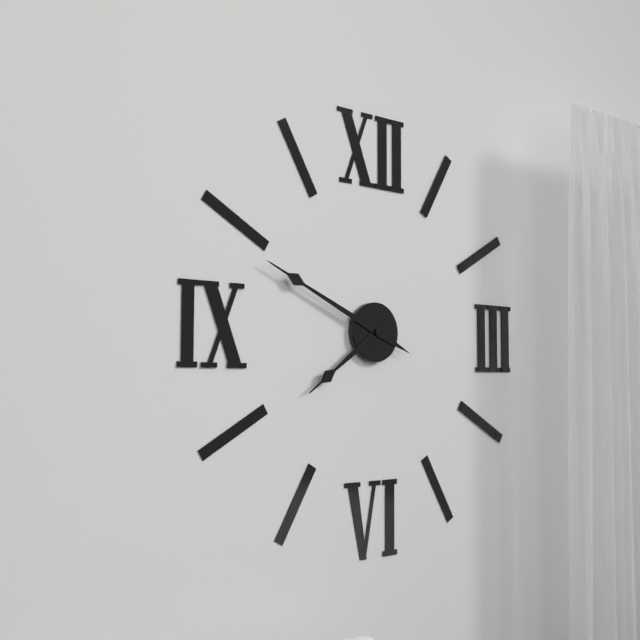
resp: 7h49
